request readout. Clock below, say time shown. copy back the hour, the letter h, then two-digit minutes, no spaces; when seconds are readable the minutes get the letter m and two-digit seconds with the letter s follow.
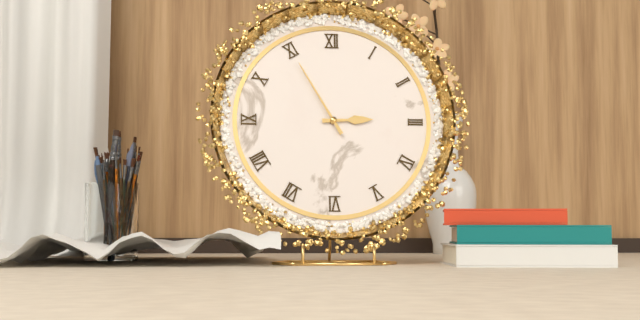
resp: 2h55
